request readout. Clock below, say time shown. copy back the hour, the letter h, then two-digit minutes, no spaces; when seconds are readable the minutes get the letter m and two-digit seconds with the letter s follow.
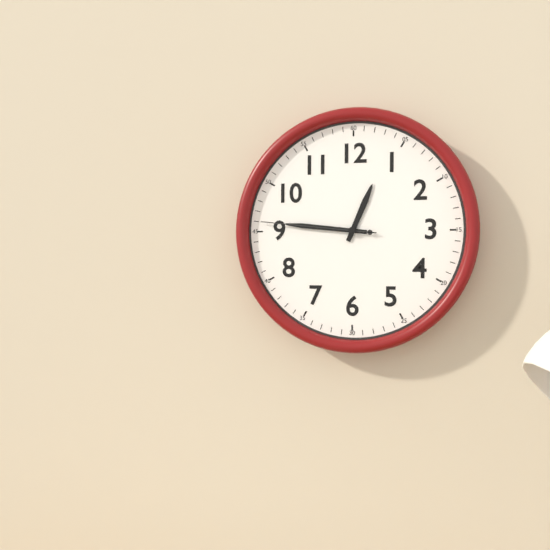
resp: 12h46m46s
